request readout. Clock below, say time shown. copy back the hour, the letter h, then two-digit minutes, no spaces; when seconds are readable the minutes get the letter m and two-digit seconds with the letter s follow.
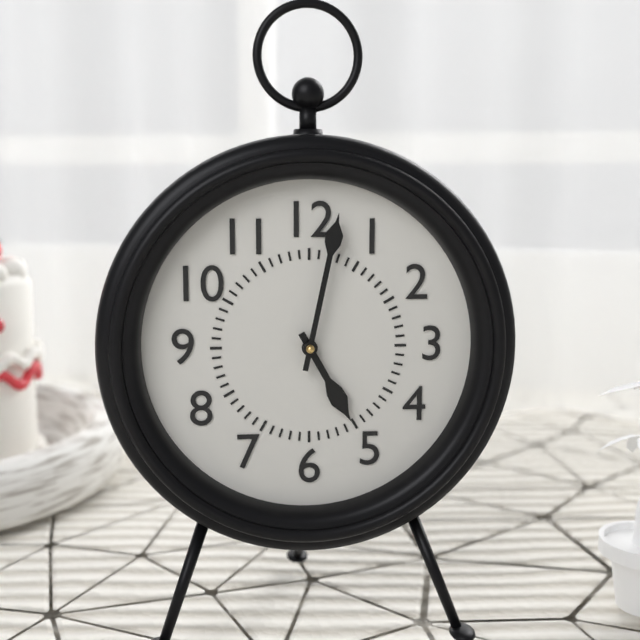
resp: 5h02
